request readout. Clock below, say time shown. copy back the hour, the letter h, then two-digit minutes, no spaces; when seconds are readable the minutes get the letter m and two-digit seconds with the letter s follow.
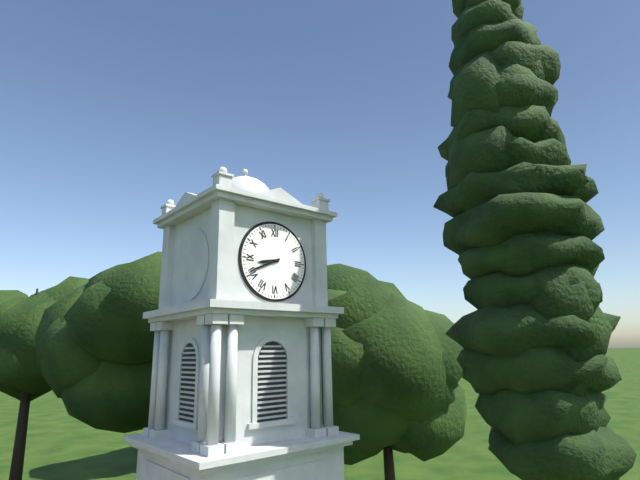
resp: 8h41
